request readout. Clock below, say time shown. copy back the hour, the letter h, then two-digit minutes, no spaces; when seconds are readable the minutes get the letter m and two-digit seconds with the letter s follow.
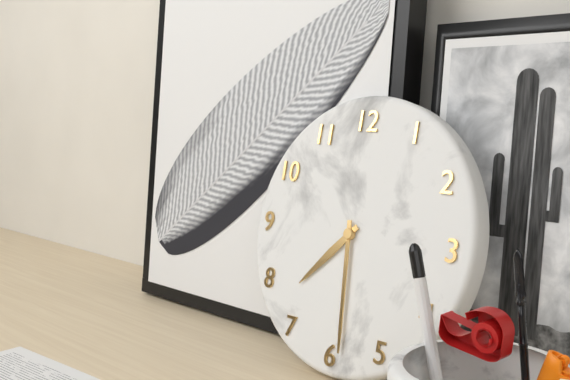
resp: 7h29
